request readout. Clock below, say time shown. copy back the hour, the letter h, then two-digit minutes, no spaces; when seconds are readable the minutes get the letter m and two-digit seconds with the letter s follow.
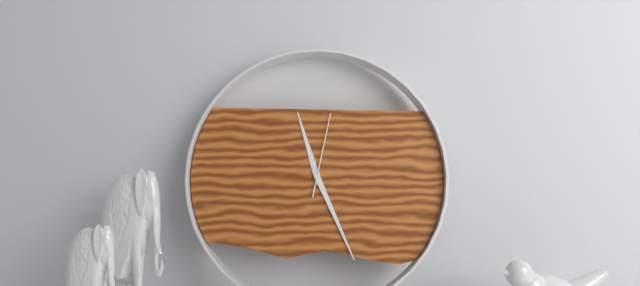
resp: 11h26m02s
